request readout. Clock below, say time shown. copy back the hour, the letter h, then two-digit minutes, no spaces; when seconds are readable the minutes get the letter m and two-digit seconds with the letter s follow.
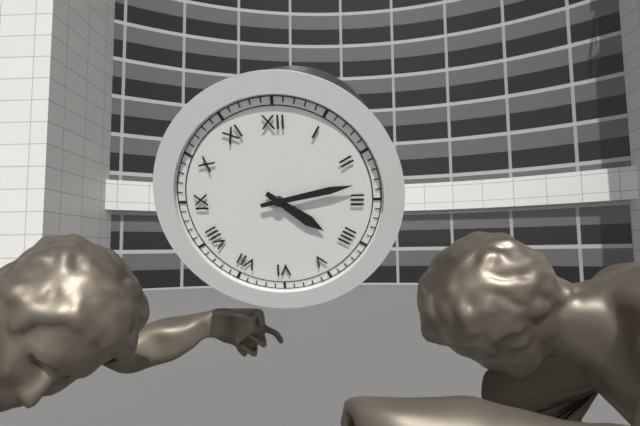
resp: 4h13
